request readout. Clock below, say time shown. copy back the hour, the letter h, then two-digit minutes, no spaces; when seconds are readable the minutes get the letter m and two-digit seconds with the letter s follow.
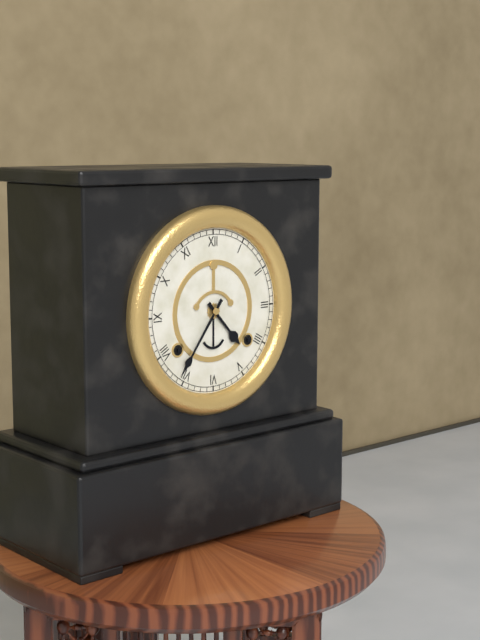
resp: 4h36
